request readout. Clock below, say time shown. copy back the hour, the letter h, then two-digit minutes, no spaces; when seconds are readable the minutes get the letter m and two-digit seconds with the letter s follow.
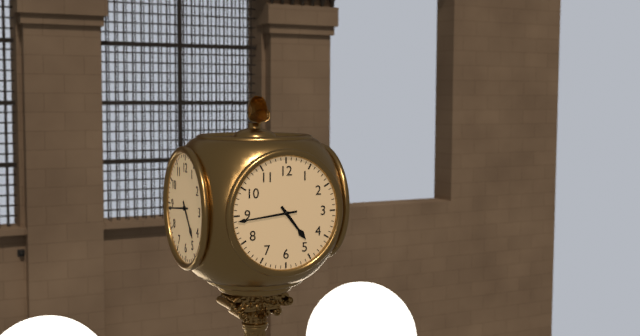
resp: 4h44
